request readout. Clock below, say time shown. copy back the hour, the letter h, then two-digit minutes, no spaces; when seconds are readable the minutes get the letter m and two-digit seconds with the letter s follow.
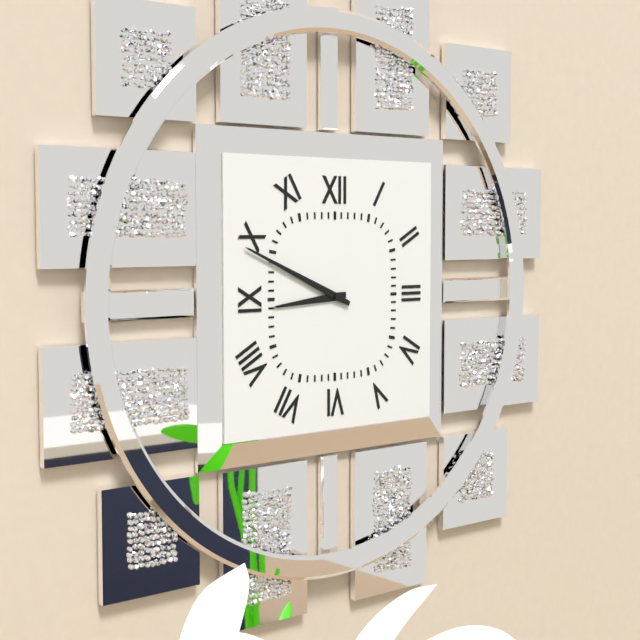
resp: 8h49
